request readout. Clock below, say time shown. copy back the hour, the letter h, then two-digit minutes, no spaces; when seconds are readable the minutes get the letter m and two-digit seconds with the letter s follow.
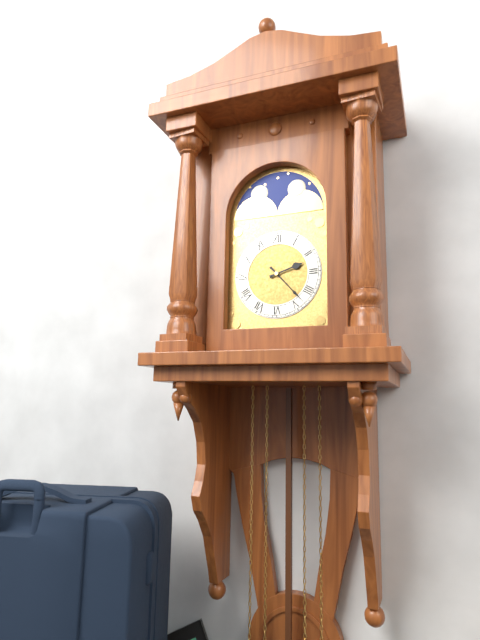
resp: 2h23
